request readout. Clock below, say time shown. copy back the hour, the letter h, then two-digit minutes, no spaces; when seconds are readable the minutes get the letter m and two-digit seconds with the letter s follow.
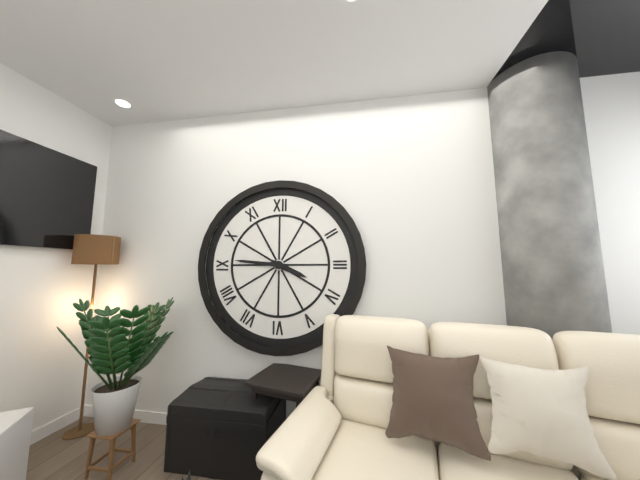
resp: 3h46
